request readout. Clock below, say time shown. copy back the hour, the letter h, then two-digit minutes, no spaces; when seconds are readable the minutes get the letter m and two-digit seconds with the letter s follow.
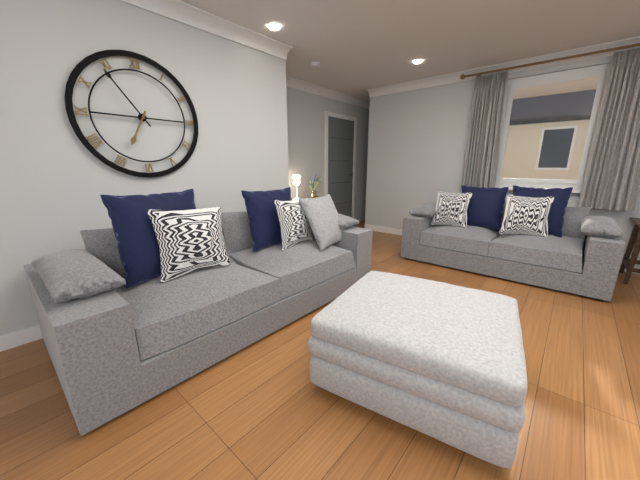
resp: 6h54
